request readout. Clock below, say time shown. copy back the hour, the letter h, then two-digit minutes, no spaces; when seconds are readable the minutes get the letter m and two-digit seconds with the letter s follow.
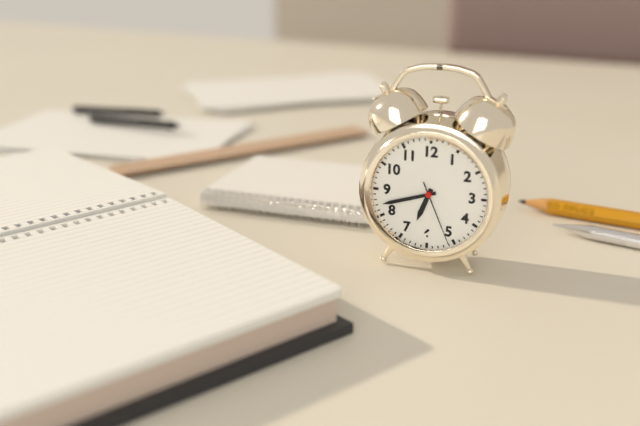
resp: 6h42m26s
